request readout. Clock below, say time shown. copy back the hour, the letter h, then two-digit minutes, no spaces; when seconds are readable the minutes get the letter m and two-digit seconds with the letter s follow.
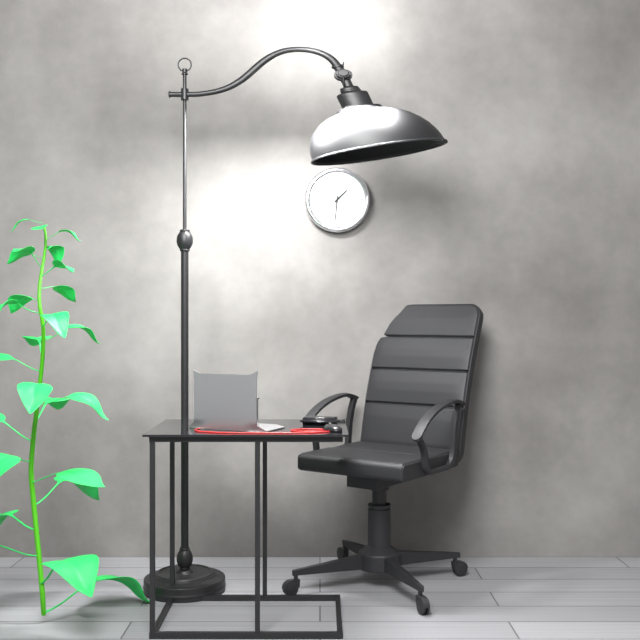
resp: 1h31
